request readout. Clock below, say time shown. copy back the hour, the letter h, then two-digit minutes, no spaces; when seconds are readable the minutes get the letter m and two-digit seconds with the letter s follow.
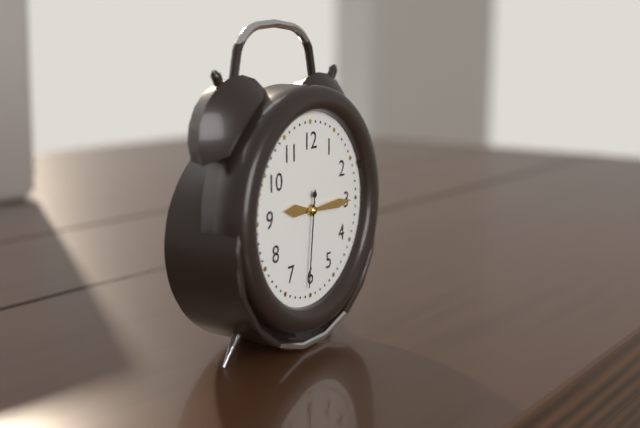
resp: 9h15m31s
